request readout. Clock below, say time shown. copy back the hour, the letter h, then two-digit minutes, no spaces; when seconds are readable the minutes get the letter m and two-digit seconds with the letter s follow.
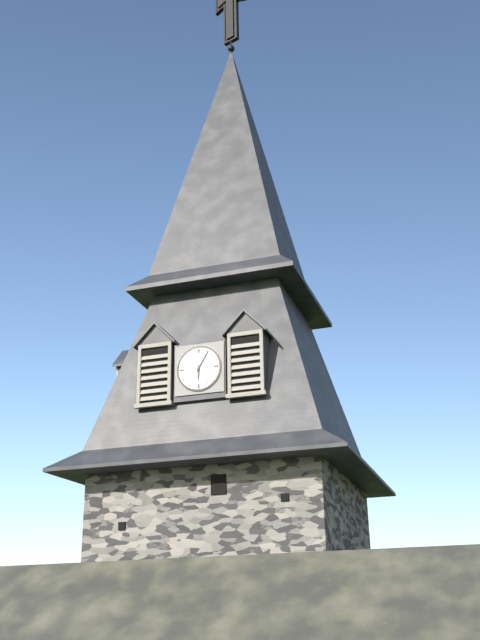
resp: 6h05
